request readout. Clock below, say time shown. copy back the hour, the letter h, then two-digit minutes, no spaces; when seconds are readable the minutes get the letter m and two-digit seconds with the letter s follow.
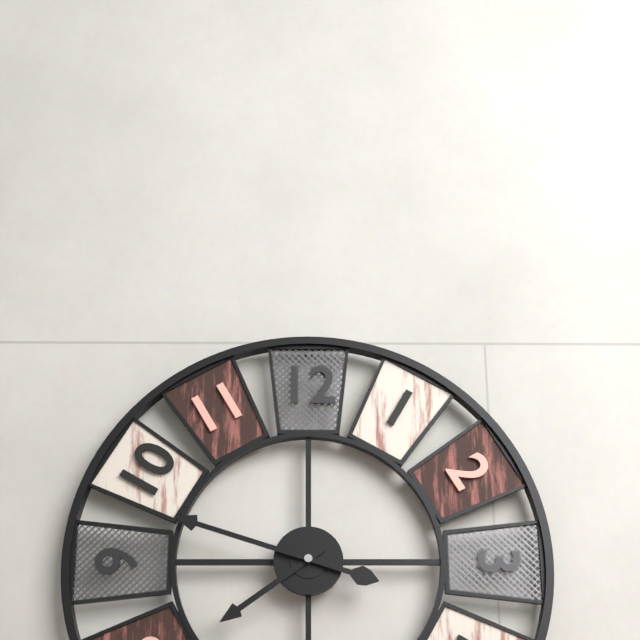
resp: 7h48
